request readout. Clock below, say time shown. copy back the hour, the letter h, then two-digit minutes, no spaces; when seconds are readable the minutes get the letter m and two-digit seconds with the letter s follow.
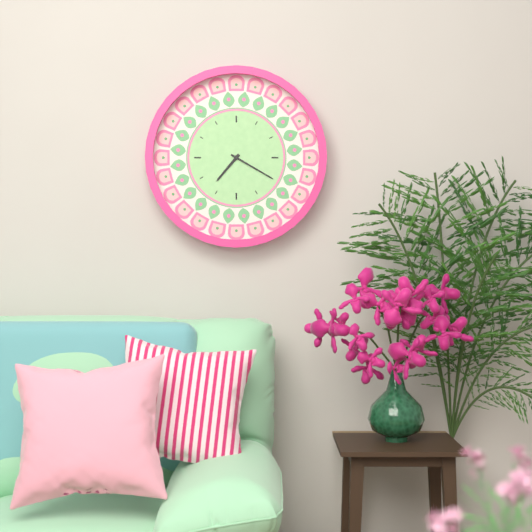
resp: 7h20
